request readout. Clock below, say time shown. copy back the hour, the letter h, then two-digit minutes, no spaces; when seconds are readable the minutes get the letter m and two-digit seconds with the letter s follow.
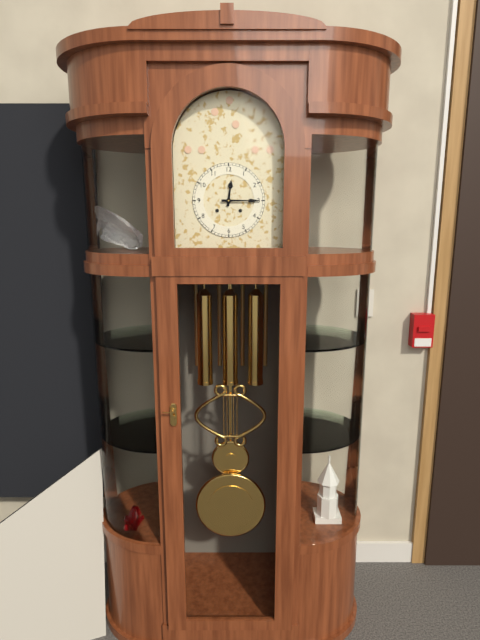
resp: 12h15
